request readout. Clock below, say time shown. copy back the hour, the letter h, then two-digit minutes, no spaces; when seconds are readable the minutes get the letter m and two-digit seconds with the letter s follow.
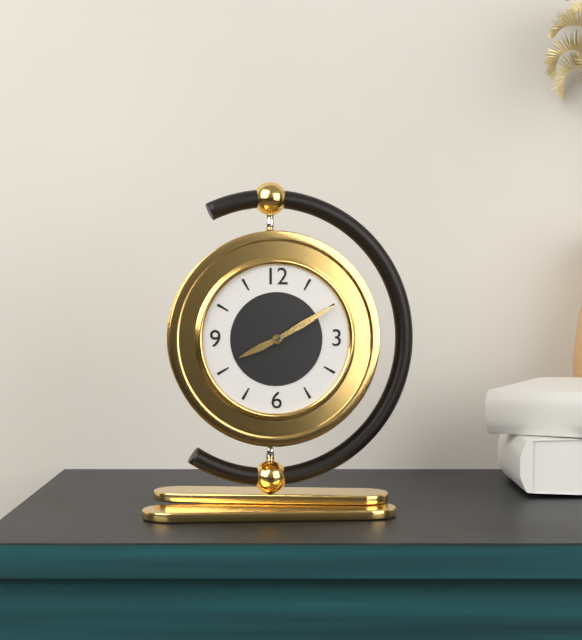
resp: 8h10
